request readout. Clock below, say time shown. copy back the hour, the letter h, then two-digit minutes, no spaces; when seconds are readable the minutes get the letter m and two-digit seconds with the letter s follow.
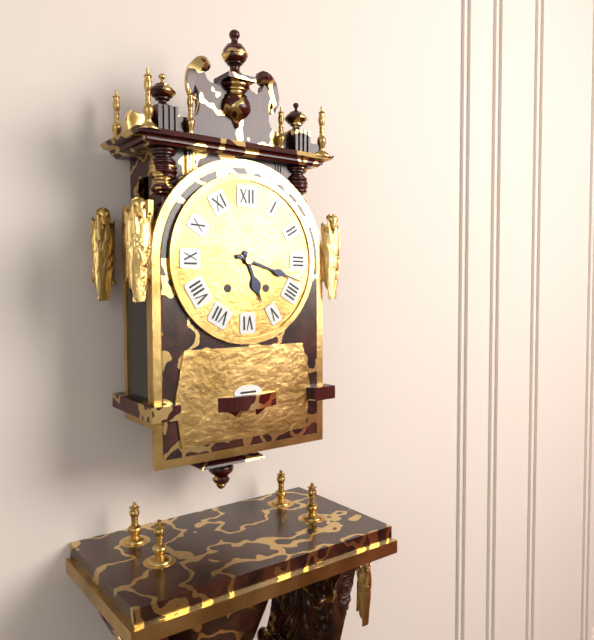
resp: 5h18
